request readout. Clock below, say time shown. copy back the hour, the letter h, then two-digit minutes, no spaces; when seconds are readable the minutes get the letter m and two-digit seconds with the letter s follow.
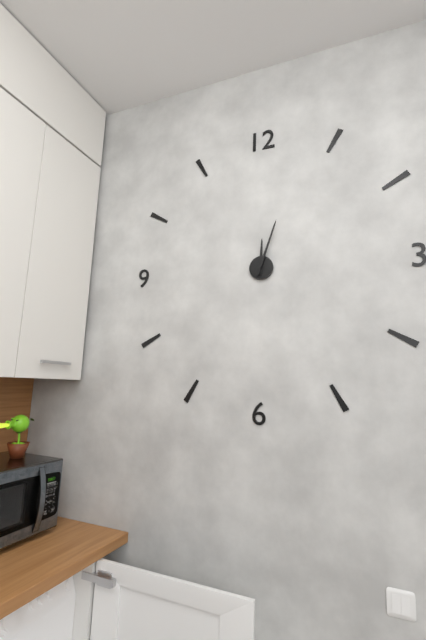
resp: 12h03
